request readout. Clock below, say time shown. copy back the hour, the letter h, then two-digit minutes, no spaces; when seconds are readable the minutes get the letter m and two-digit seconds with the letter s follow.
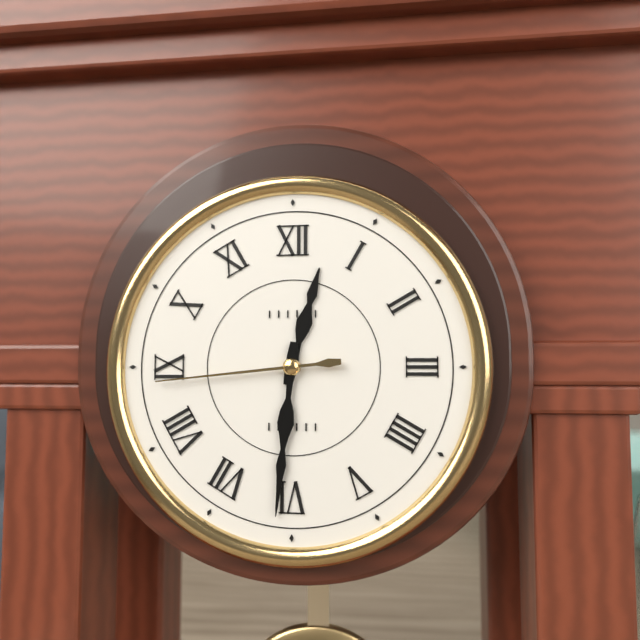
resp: 12h31m44s
